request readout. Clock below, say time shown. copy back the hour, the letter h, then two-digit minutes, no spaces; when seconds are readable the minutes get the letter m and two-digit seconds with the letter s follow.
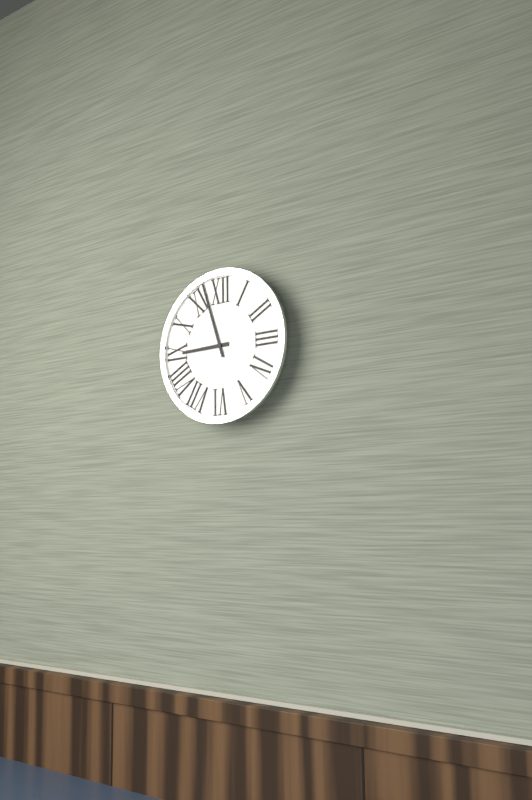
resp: 8h57
